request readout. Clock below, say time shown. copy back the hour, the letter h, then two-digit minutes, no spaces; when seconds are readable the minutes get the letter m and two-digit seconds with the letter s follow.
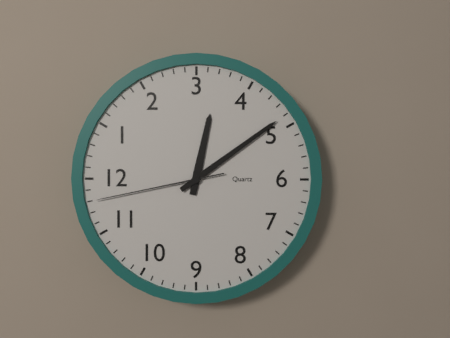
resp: 3h24m58s
